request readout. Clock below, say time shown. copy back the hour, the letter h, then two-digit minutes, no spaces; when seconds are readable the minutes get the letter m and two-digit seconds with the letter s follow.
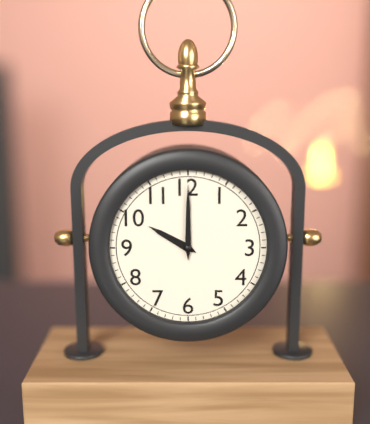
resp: 10h00
